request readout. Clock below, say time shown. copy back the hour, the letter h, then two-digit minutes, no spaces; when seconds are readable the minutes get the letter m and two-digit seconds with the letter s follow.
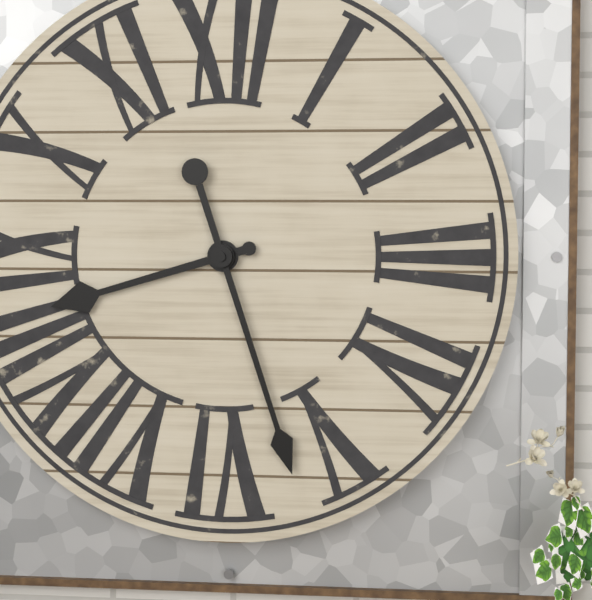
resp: 8h27
